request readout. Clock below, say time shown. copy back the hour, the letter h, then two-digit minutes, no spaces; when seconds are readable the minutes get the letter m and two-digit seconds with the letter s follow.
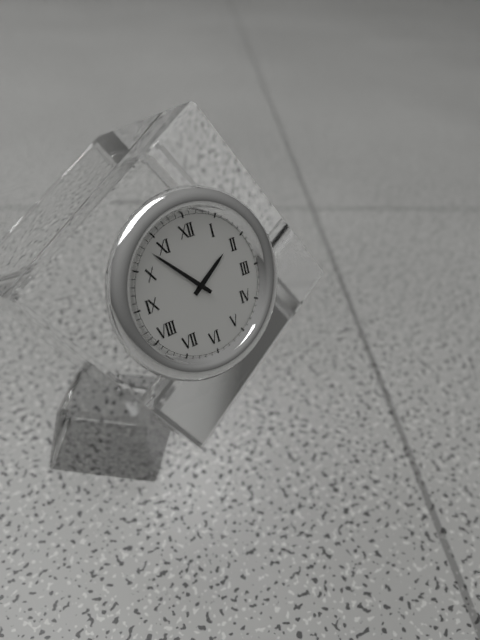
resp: 1h53
